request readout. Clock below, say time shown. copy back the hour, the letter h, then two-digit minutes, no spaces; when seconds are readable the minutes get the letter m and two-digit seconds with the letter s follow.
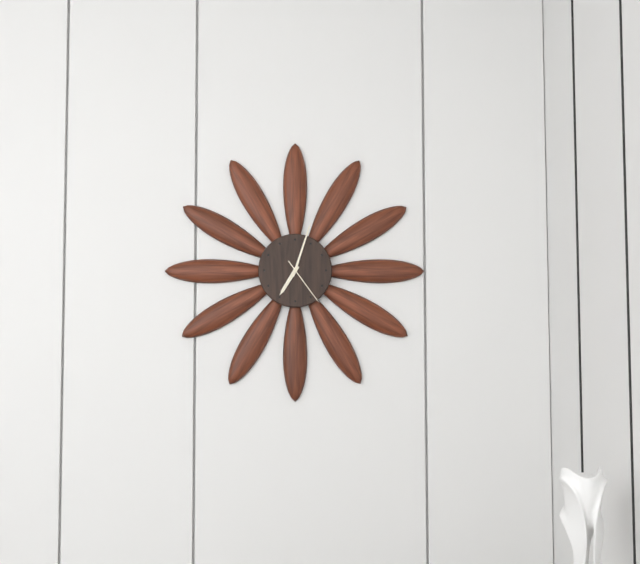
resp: 7h03
